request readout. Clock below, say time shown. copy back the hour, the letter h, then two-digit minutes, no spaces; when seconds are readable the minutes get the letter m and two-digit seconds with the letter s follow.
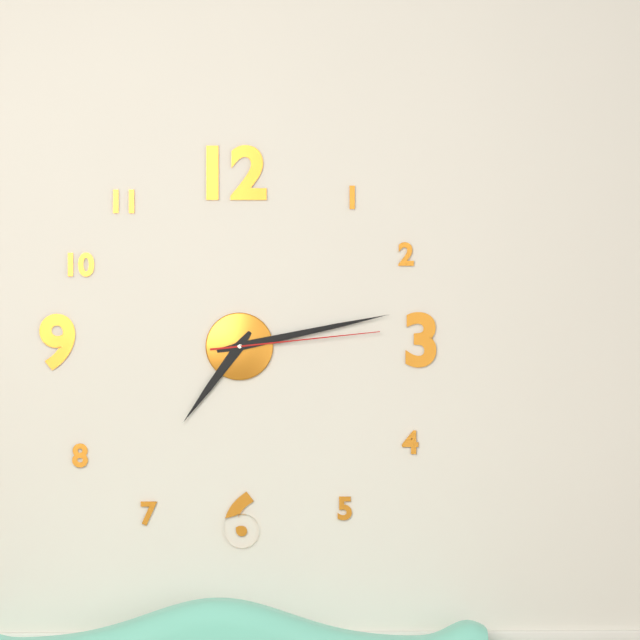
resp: 7h13m14s
